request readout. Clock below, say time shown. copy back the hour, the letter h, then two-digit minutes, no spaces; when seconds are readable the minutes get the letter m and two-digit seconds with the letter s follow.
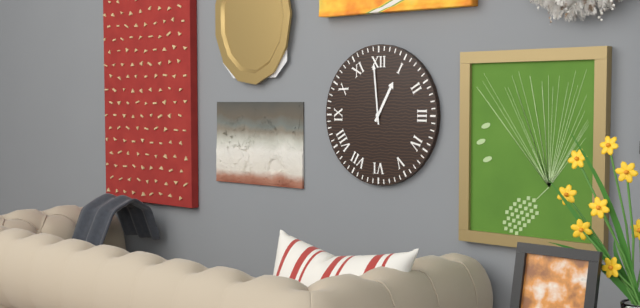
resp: 12h59
